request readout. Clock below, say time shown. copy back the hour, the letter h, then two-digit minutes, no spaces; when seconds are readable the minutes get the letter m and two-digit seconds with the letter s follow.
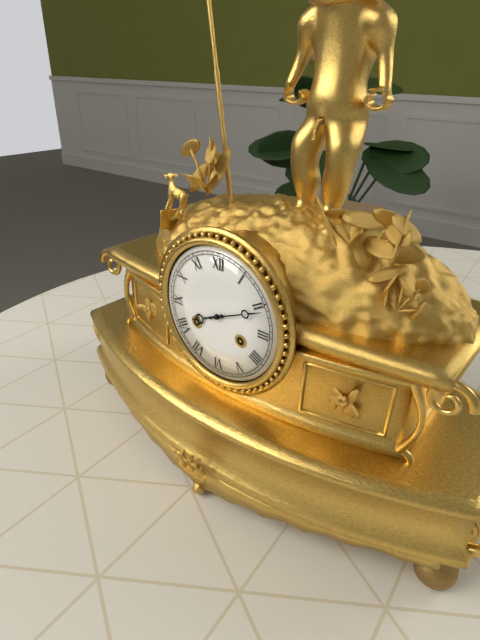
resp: 8h11
